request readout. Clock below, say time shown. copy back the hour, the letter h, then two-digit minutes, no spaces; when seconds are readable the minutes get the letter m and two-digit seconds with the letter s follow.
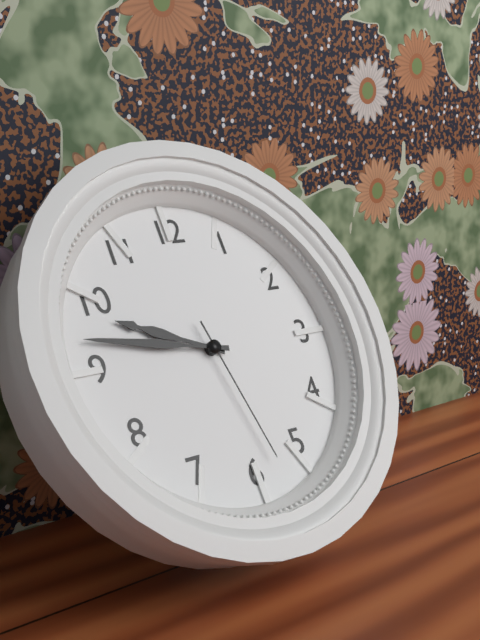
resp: 9h47m28s
